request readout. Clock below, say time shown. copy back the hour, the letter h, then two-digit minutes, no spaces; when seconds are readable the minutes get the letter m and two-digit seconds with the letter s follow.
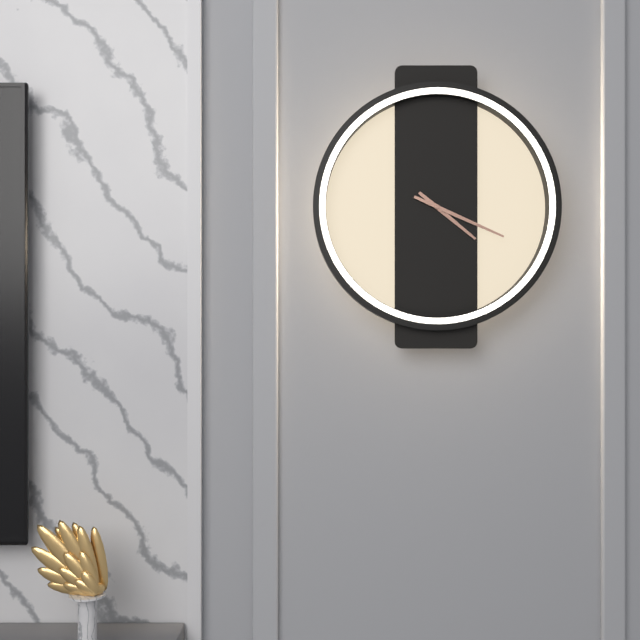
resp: 4h19
